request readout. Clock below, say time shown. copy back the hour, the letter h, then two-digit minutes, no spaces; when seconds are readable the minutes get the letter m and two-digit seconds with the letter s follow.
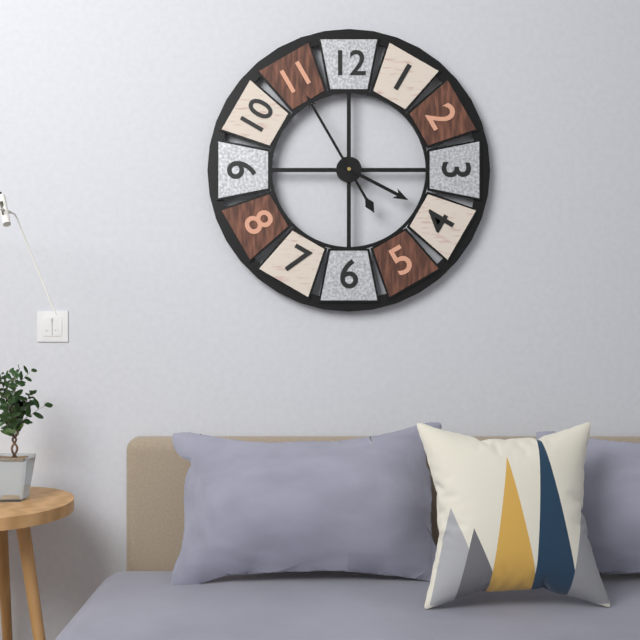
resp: 3h55
